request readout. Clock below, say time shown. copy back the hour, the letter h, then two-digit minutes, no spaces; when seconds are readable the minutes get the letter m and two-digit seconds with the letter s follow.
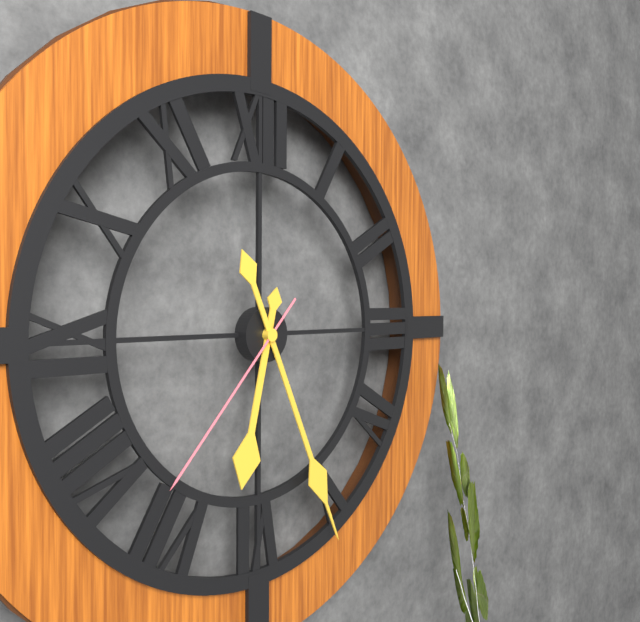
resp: 6h26m37s
